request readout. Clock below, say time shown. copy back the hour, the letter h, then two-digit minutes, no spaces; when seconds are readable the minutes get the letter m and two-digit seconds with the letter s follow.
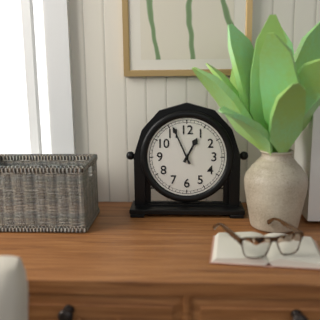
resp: 12h56
